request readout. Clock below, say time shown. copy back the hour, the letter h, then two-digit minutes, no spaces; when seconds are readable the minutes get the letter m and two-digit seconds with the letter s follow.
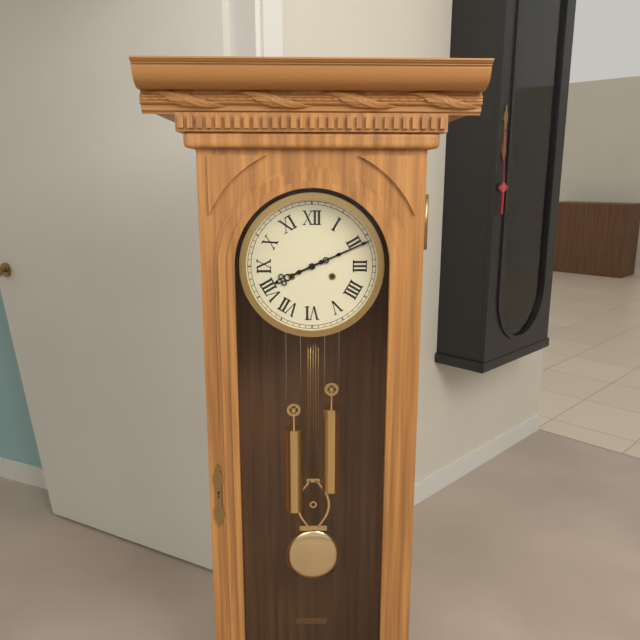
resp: 8h11
